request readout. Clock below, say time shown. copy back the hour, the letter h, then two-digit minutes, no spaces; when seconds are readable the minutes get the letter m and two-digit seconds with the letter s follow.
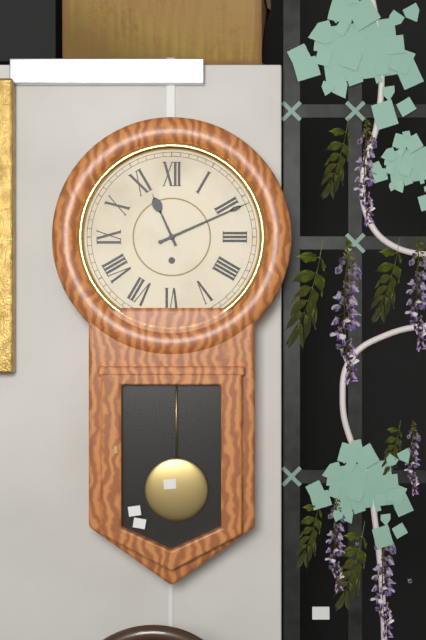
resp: 11h11
